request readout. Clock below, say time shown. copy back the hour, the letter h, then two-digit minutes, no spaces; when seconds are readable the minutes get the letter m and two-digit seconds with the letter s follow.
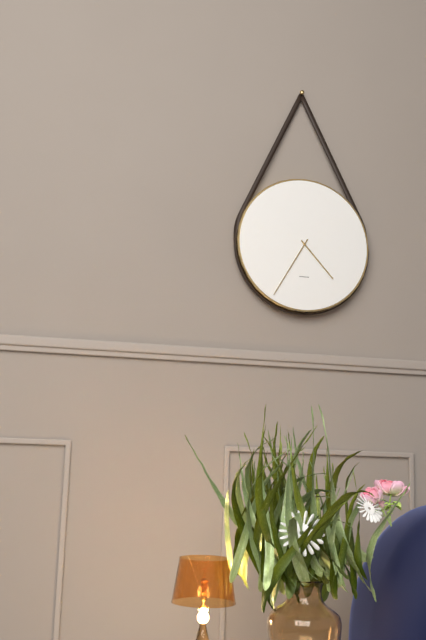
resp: 4h35
